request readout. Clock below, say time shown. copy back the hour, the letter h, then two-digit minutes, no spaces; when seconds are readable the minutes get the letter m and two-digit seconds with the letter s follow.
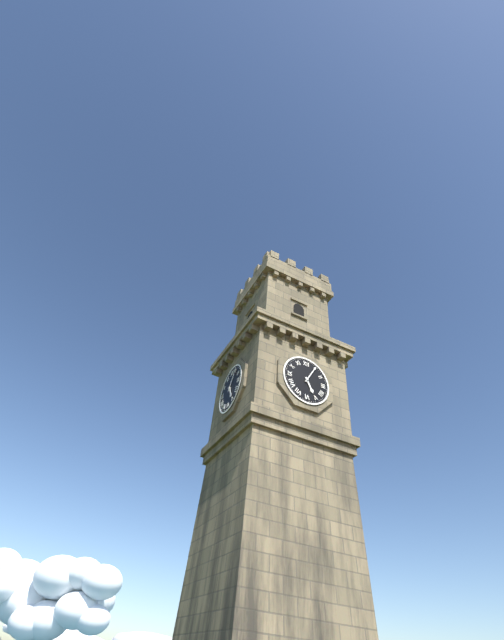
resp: 5h05
